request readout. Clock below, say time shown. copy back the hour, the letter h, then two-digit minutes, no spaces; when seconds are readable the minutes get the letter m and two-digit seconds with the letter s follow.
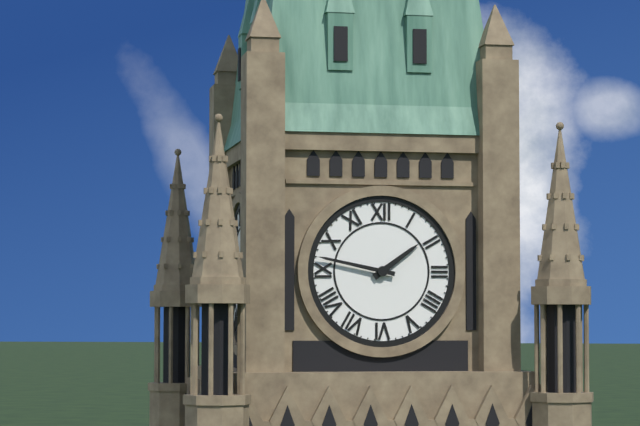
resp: 1h47
